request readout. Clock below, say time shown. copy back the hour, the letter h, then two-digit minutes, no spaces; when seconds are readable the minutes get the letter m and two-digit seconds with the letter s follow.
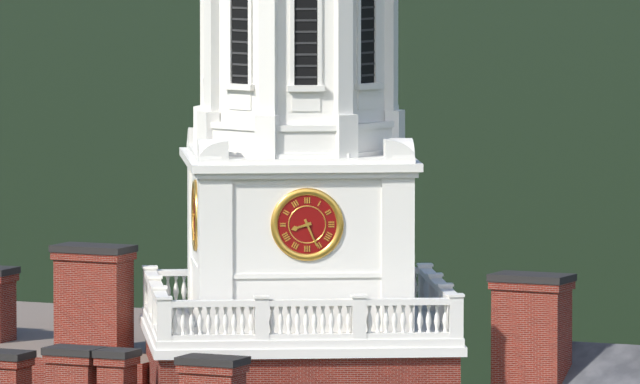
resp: 8h26
